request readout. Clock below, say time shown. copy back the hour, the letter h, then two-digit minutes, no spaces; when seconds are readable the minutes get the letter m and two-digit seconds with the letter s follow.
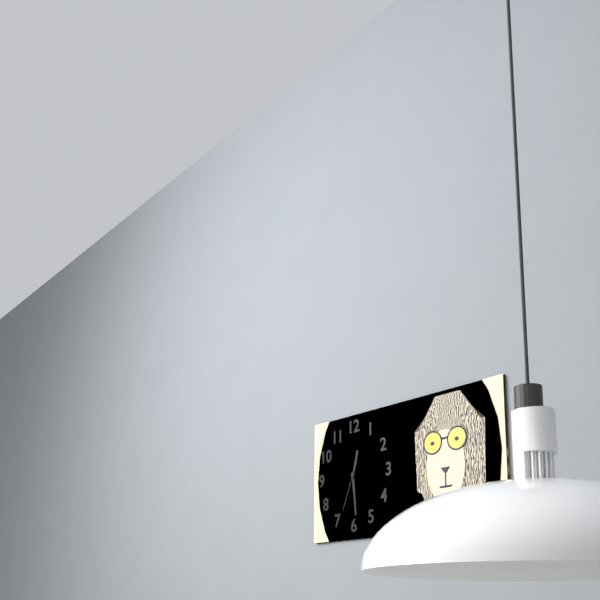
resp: 12h29
